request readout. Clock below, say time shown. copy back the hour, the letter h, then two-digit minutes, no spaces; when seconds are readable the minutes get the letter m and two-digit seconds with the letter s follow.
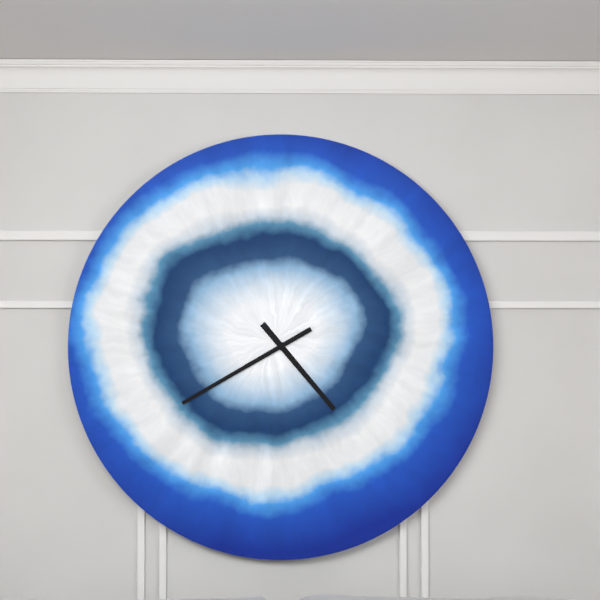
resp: 4h40
